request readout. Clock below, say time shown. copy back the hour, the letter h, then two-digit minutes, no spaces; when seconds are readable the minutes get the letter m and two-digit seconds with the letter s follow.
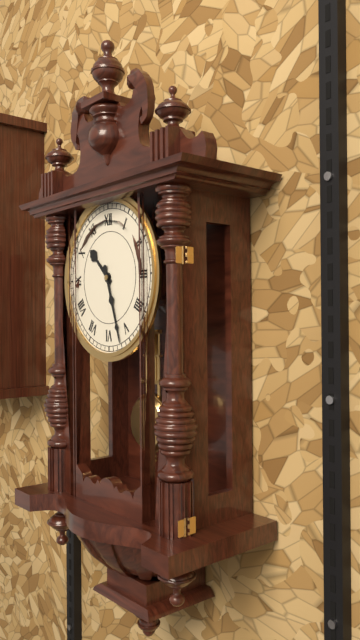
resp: 10h27
